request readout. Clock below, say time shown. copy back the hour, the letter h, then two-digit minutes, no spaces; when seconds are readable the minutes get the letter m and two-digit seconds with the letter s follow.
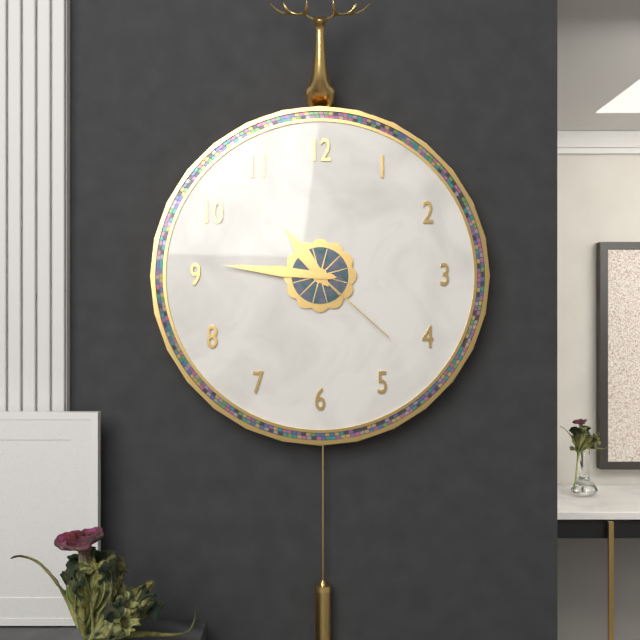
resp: 10h46m22s
